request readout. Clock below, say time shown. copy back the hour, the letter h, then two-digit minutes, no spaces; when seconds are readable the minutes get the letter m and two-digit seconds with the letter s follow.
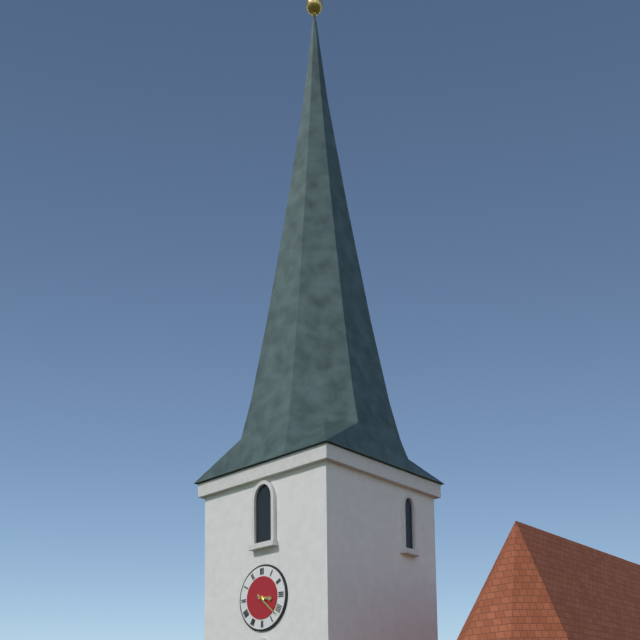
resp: 3h22
